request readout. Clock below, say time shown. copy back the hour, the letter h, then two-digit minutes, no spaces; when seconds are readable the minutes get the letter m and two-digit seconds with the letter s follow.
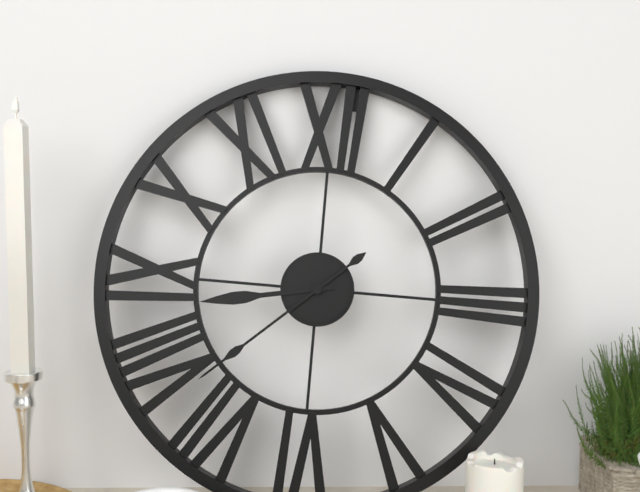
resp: 8h38
